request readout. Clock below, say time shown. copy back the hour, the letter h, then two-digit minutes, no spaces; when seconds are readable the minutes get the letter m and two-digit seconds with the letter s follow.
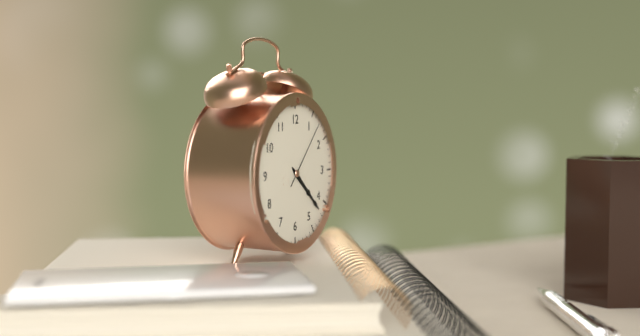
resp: 4h22m07s
